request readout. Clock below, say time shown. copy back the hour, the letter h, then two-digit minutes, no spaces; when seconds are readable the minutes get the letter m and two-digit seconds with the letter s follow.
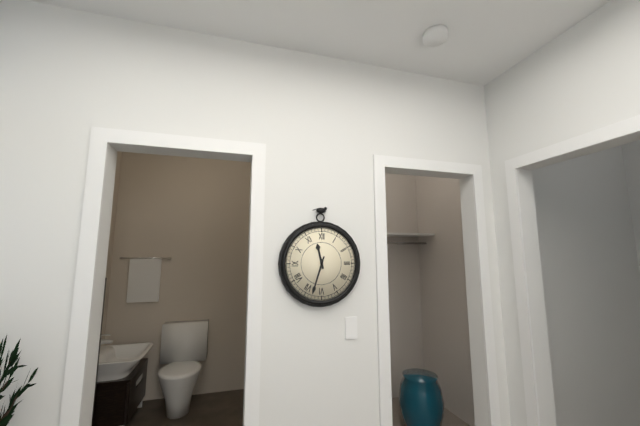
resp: 11h33
